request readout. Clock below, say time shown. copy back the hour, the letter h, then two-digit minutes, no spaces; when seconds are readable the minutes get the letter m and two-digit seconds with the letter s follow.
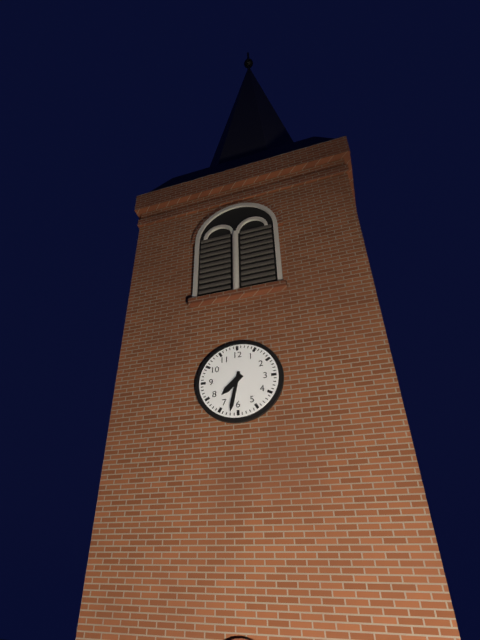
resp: 7h32
